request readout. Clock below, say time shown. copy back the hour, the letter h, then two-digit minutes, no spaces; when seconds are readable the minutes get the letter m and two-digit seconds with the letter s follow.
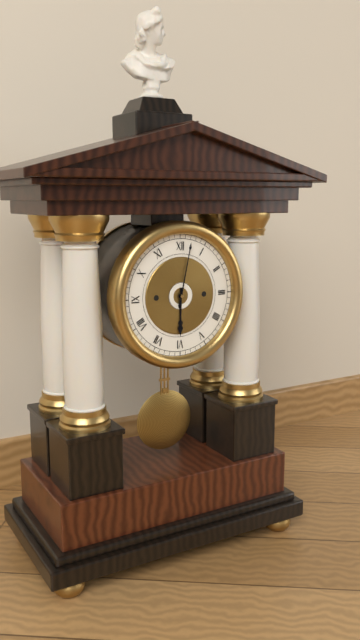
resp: 6h02
